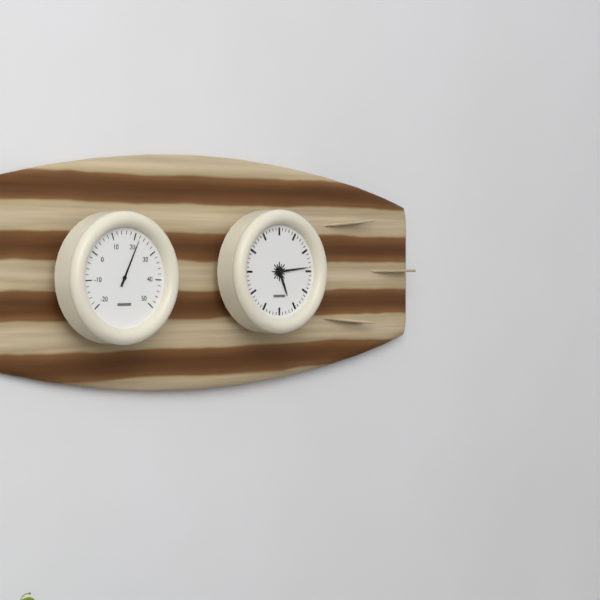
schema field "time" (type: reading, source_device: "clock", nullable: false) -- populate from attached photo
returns 5:14
